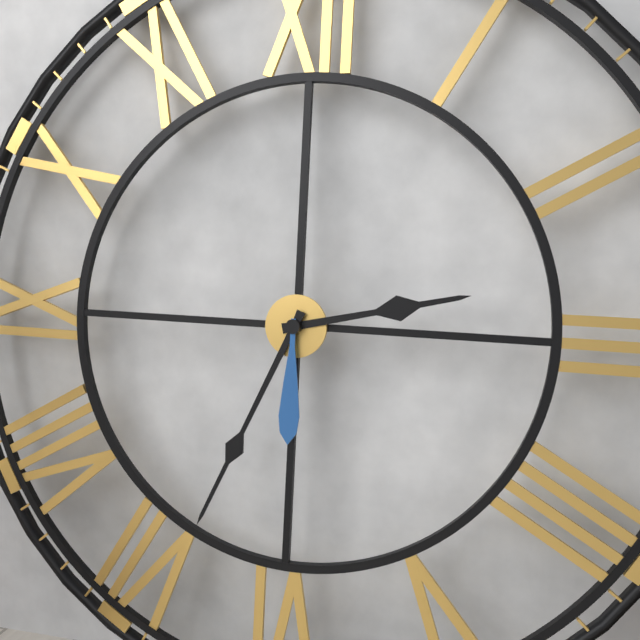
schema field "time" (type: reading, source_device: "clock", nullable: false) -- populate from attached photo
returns 2:34:30
